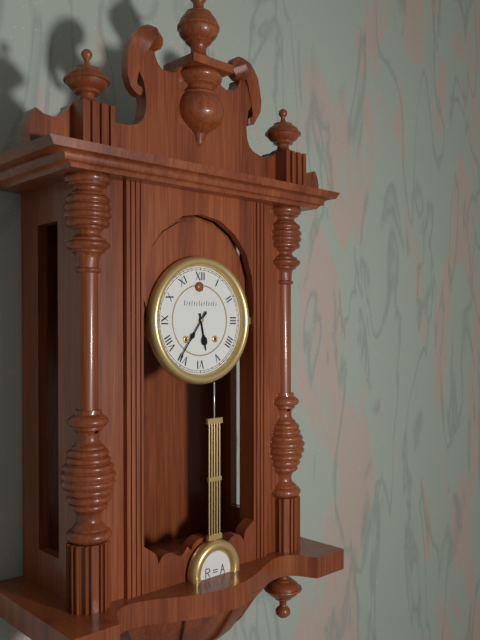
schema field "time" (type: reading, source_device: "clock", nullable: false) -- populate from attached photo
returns 5:36
